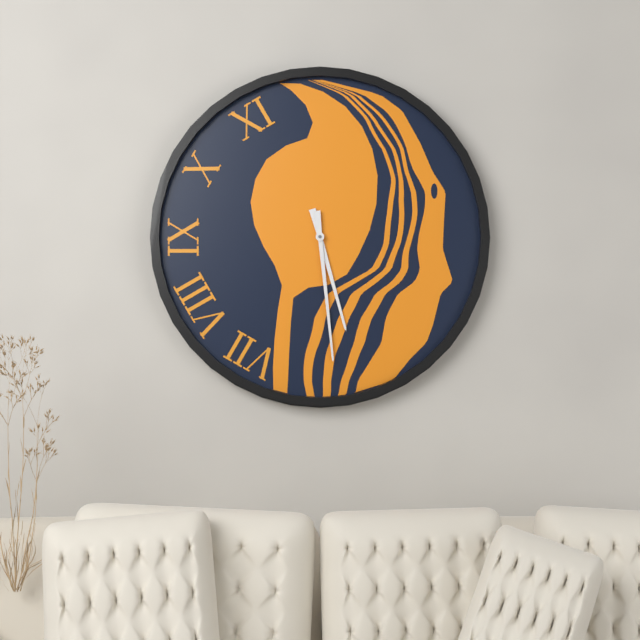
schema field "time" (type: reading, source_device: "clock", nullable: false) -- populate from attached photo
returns 5:29
